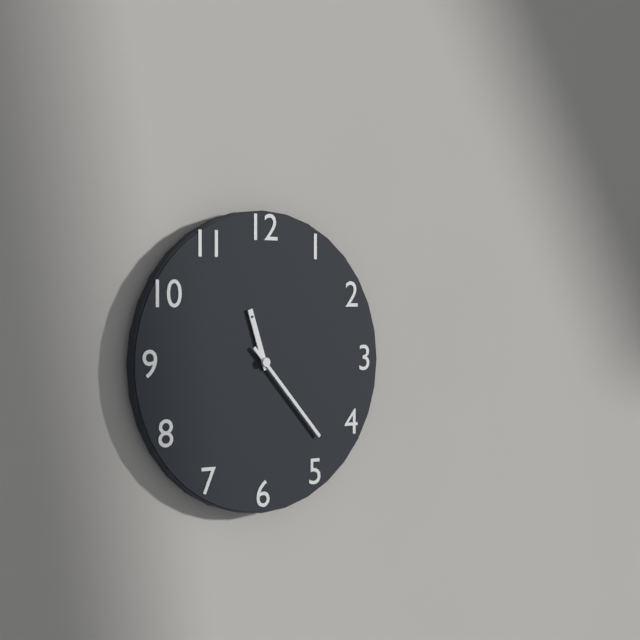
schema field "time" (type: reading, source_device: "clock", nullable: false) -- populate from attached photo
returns 11:23
